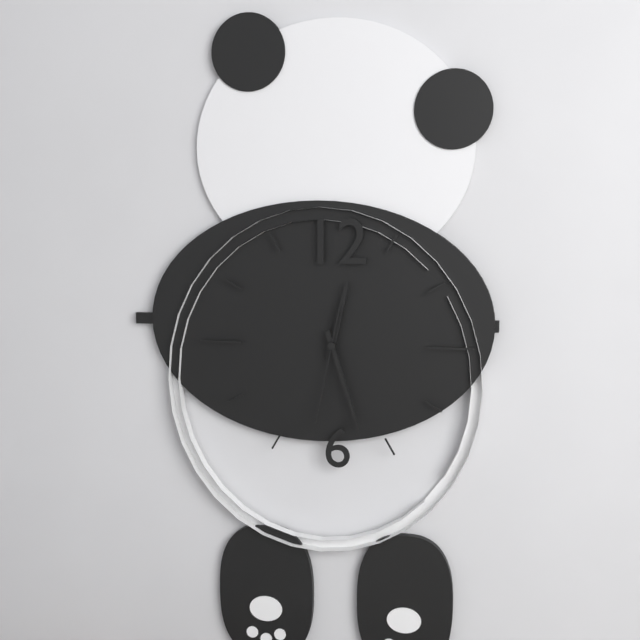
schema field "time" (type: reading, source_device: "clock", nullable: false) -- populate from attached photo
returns 12:27:32
